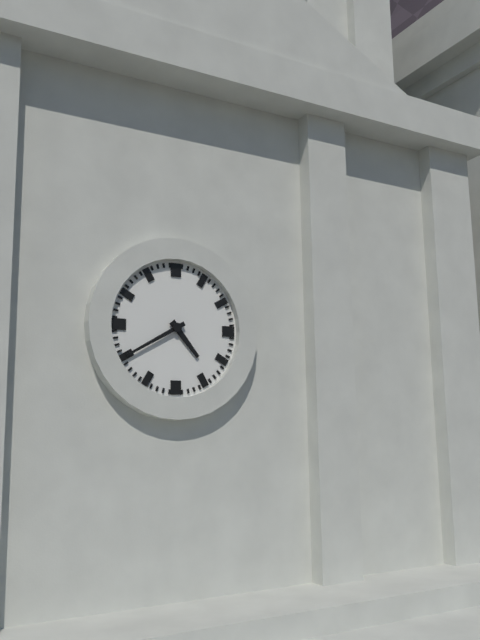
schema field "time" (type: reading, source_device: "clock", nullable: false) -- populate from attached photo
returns 4:40
